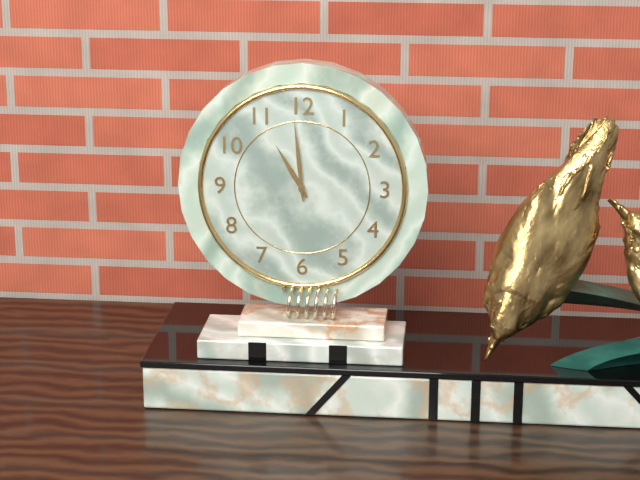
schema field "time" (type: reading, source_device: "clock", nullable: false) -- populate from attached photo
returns 10:59
